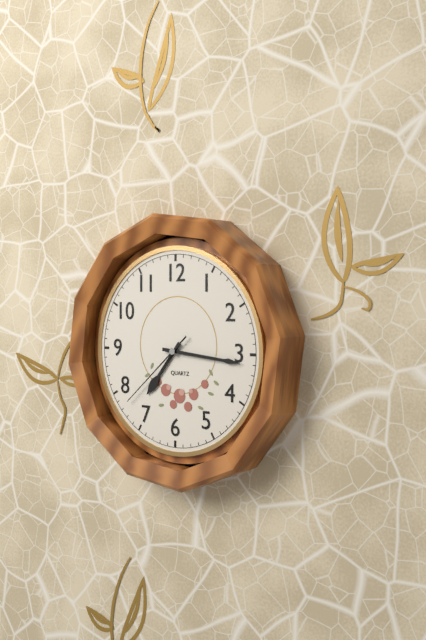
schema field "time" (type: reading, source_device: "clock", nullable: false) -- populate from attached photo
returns 7:16:38
